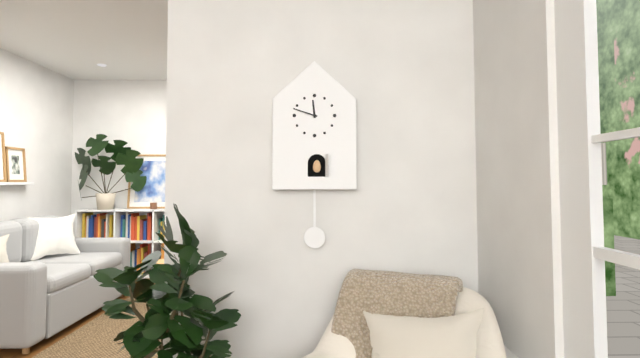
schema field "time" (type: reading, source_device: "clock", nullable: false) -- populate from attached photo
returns 11:48
